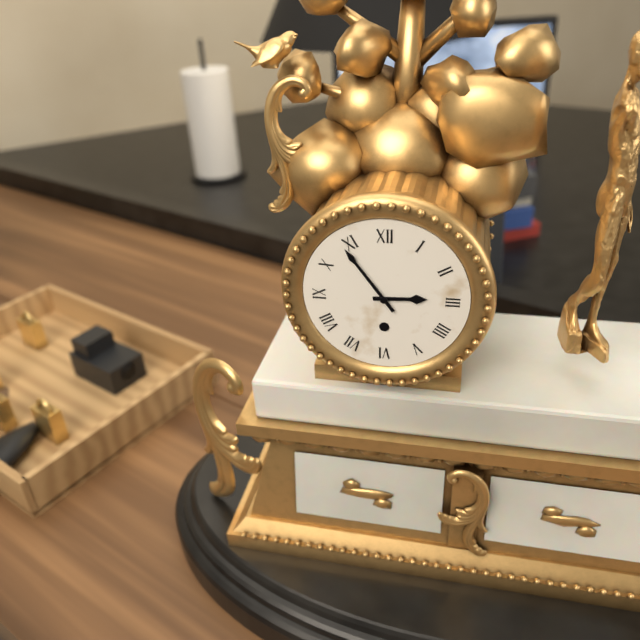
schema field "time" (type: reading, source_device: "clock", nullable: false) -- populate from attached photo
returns 2:54
